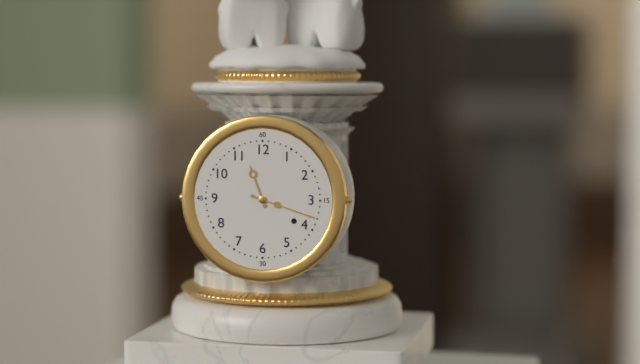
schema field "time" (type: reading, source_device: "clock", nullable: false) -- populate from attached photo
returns 11:18
